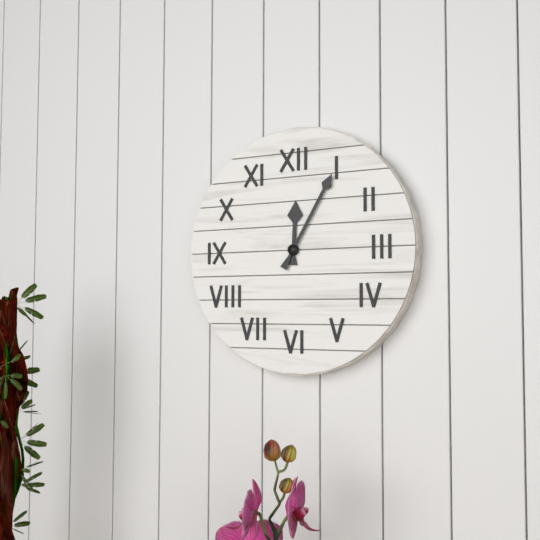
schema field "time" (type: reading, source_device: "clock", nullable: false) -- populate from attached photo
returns 12:05
